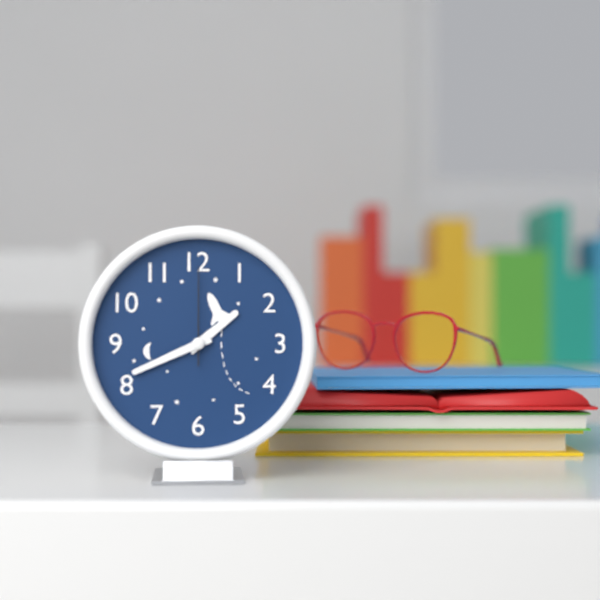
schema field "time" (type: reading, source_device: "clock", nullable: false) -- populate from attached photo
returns 1:41:00
